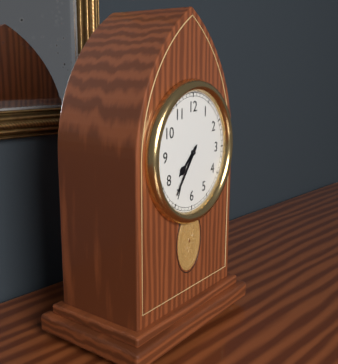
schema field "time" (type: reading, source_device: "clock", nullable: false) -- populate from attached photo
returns 7:36
